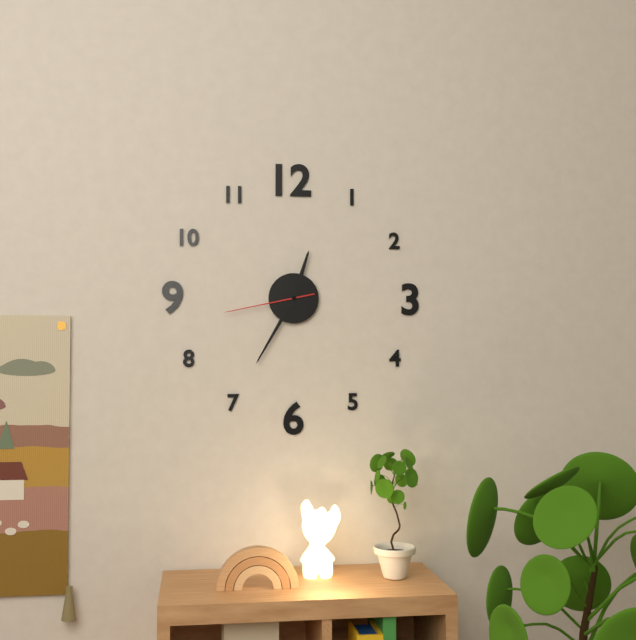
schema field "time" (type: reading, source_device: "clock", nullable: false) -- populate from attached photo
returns 12:35:43
